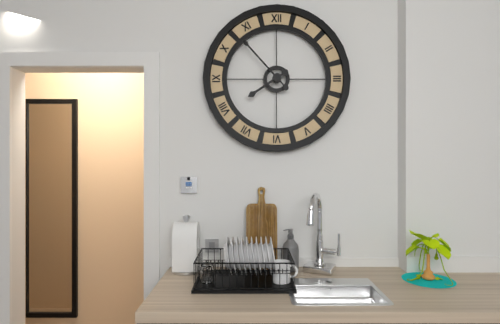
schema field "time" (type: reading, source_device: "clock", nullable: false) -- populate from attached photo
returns 7:53
